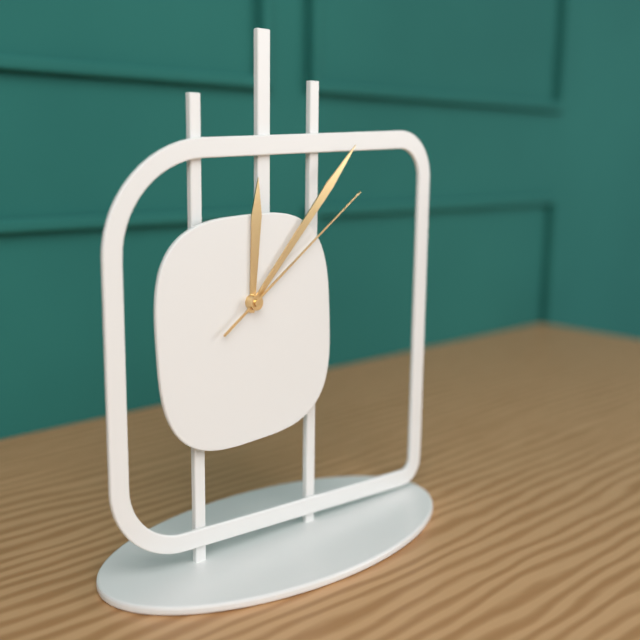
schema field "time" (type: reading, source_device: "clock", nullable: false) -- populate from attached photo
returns 12:07:09
